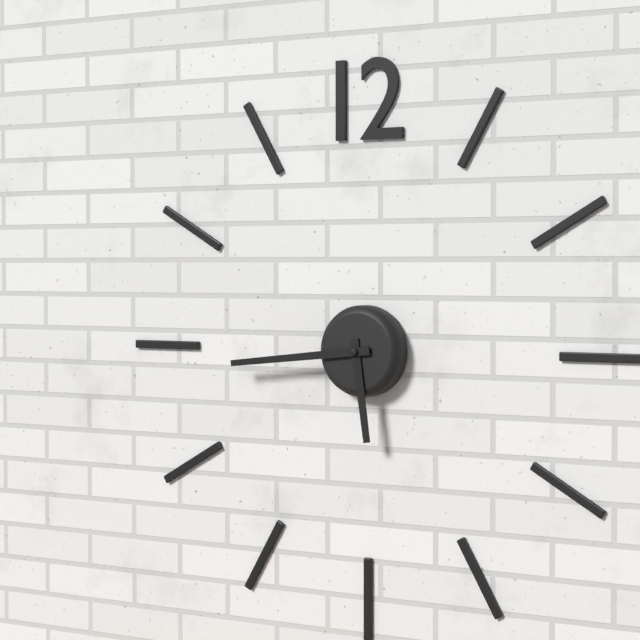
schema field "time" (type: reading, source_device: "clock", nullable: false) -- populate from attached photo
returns 5:44
